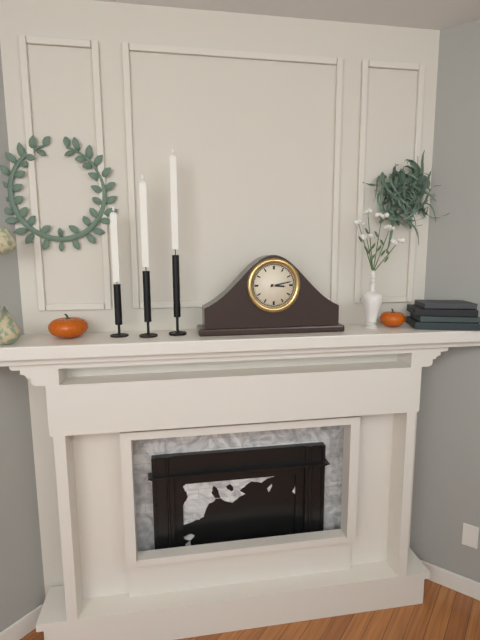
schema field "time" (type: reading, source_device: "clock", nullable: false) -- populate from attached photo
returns 3:13
